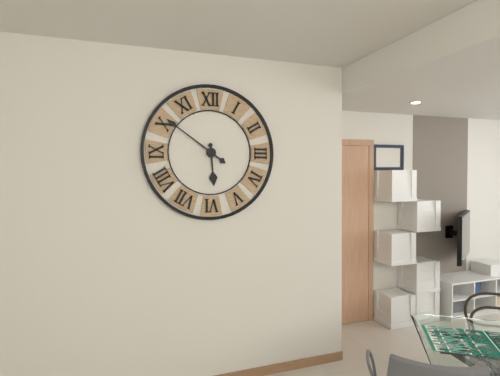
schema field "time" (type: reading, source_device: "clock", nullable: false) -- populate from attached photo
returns 5:51
